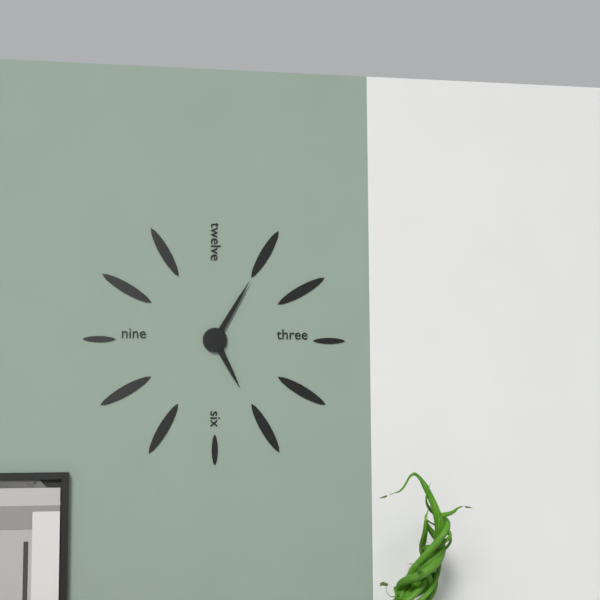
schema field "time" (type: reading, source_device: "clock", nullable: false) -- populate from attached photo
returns 5:05
